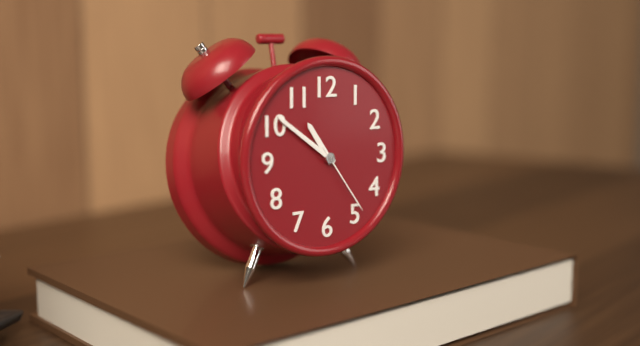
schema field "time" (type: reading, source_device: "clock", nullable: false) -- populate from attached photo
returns 10:51:24
